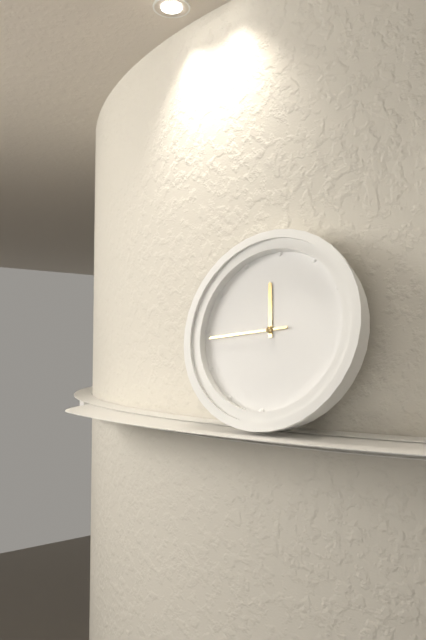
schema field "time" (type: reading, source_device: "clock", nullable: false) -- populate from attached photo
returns 11:44
